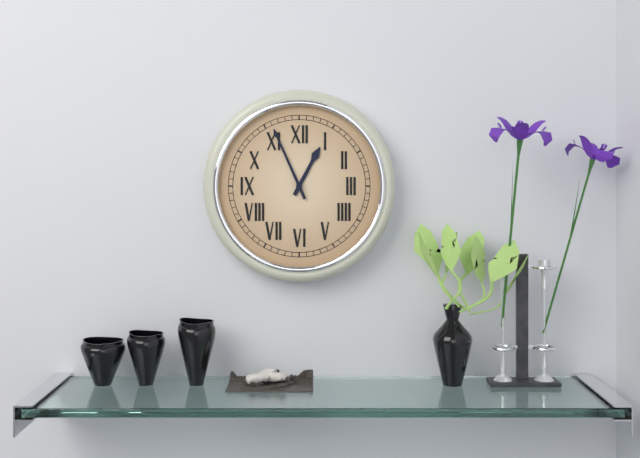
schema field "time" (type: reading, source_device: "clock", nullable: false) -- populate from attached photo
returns 12:56
